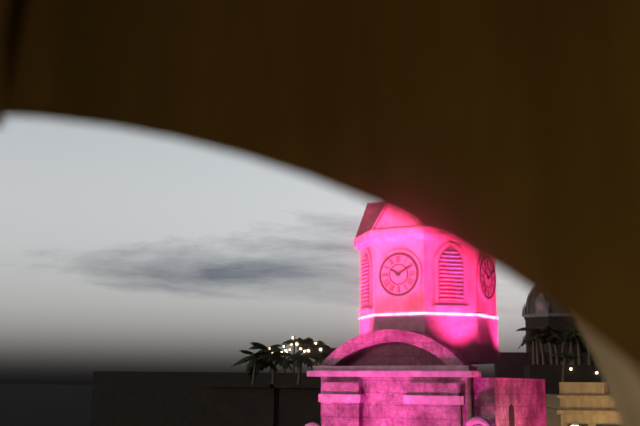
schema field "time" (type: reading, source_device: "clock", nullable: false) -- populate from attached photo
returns 10:10
